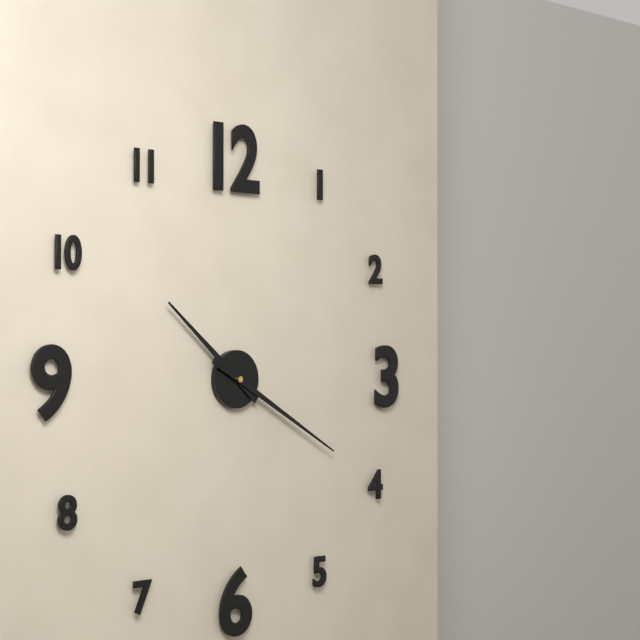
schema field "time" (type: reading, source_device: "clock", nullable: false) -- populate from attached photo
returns 10:20
